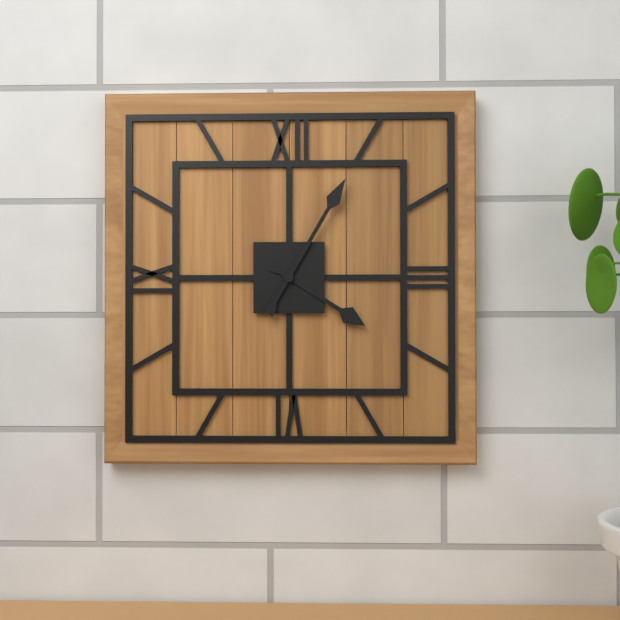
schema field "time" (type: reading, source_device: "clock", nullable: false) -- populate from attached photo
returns 4:05
